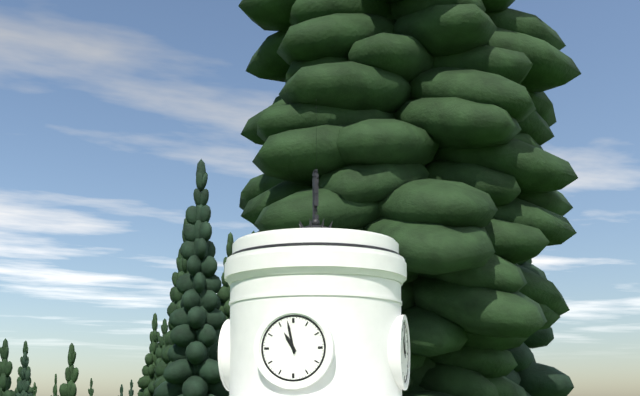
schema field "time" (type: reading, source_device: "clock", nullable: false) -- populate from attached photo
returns 10:58
